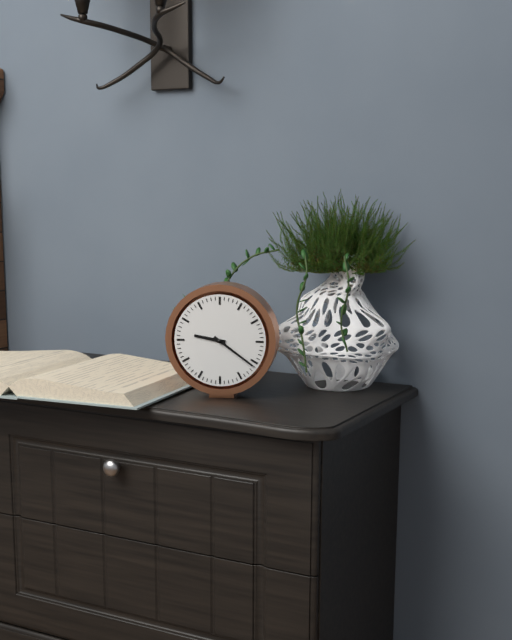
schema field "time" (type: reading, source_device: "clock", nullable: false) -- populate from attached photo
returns 9:21
